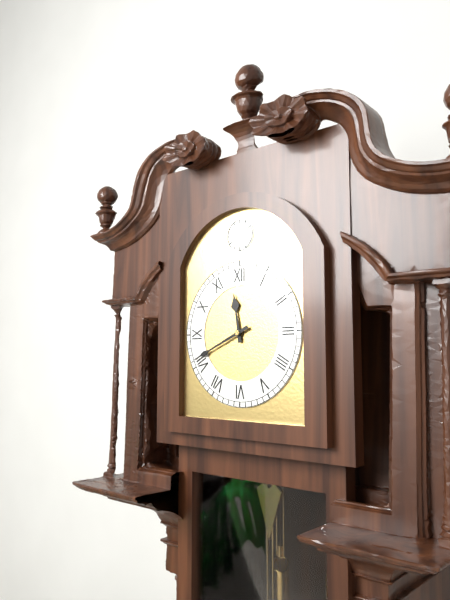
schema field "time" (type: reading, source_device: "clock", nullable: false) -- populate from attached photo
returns 11:41
